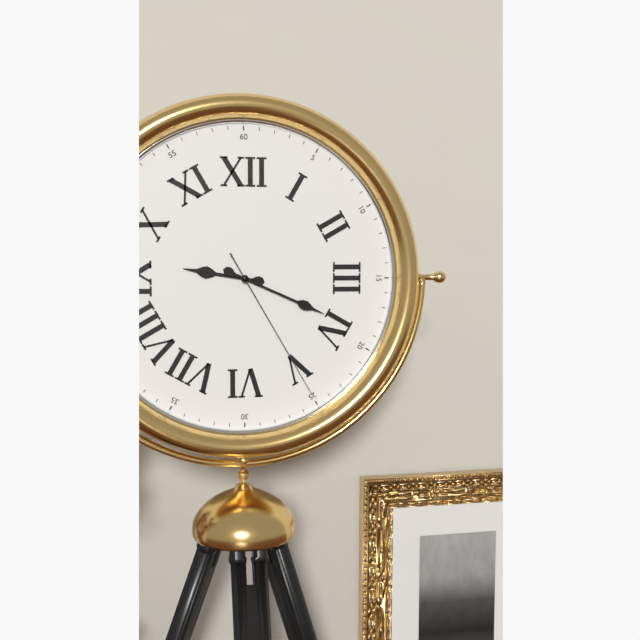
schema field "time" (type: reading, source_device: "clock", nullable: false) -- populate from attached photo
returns 9:19:25
